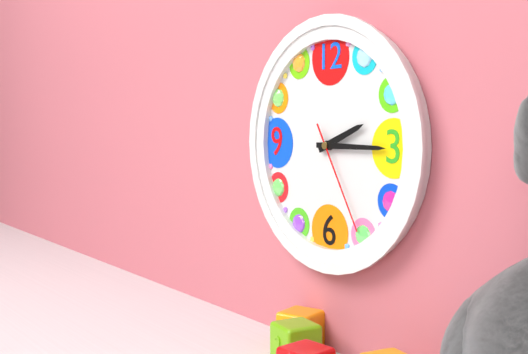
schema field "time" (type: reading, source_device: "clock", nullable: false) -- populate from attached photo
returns 2:15:25
